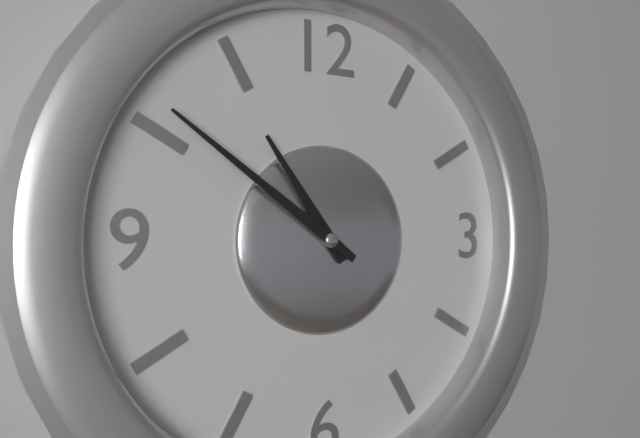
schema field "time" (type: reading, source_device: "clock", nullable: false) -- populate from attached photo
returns 10:51
